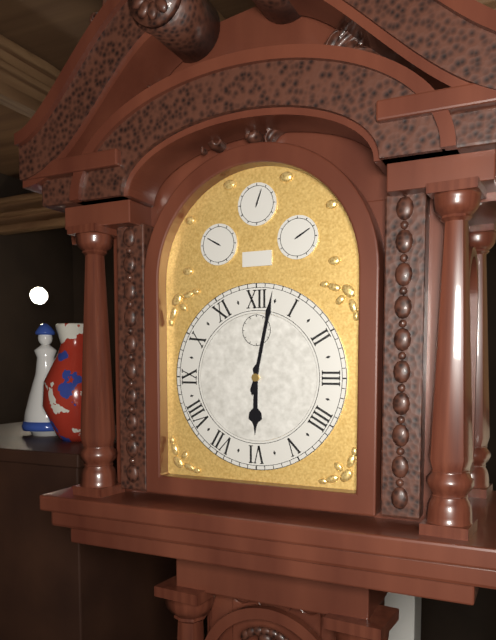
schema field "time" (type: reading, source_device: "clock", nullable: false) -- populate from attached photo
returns 6:02
